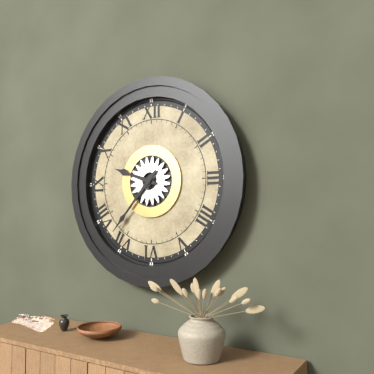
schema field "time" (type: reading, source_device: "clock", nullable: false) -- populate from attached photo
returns 9:37
